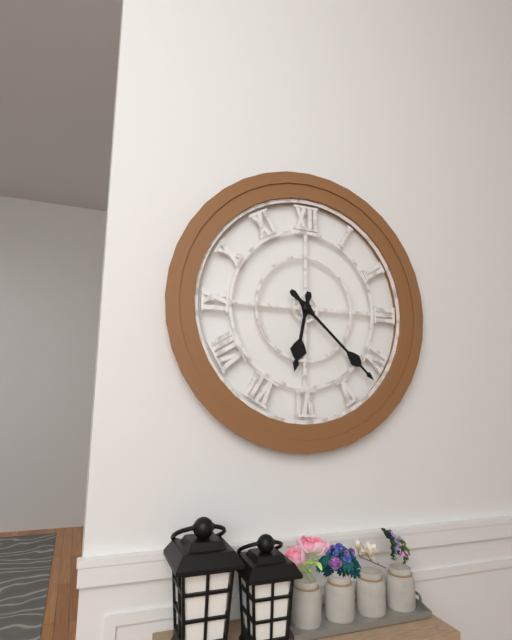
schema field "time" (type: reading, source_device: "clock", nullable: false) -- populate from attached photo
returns 6:22
